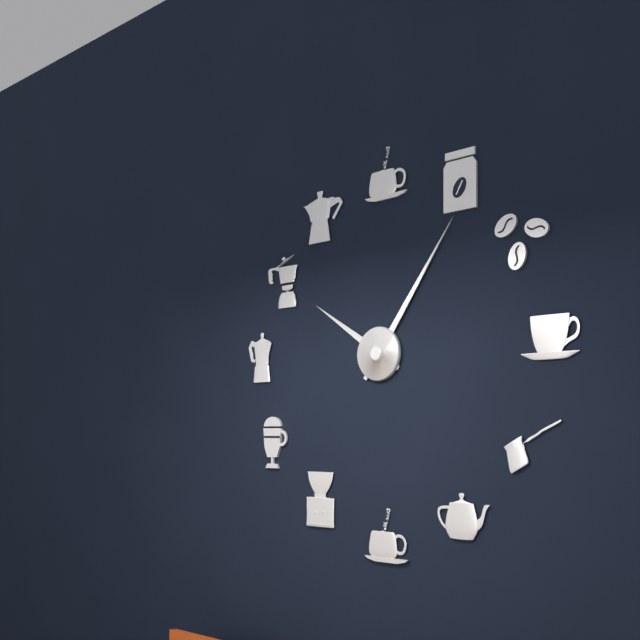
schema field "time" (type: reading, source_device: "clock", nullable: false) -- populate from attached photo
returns 10:06
